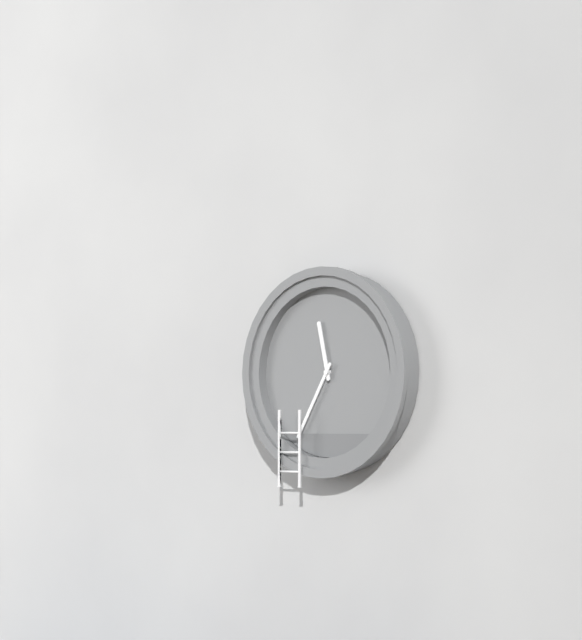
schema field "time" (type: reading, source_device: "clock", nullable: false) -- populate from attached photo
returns 11:35
